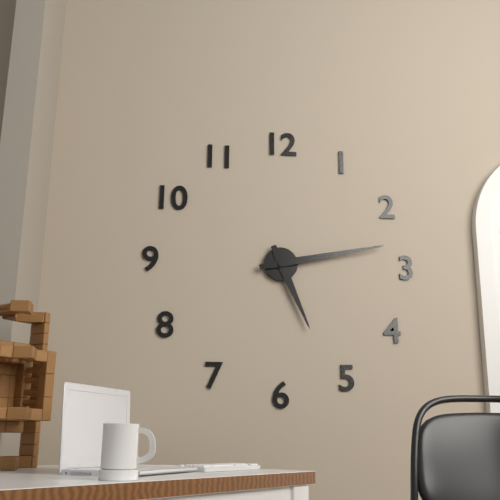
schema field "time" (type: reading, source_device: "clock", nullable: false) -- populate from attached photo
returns 5:13
